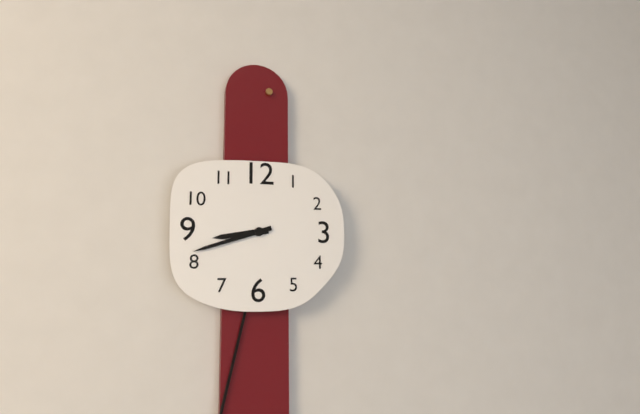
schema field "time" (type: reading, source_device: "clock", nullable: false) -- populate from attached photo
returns 8:42
